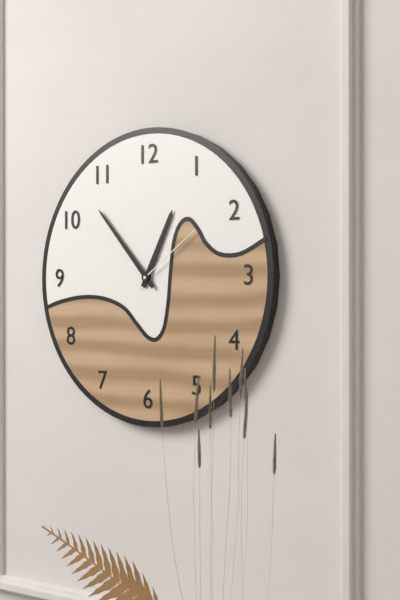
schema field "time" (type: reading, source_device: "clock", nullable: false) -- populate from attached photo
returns 12:53:09
